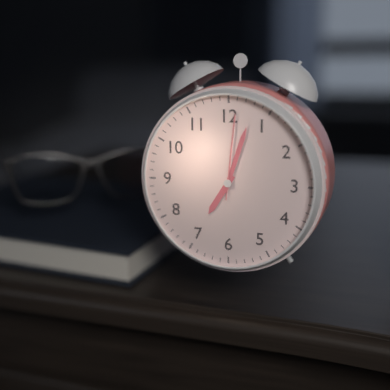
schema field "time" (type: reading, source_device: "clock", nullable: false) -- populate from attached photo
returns 7:03:01
